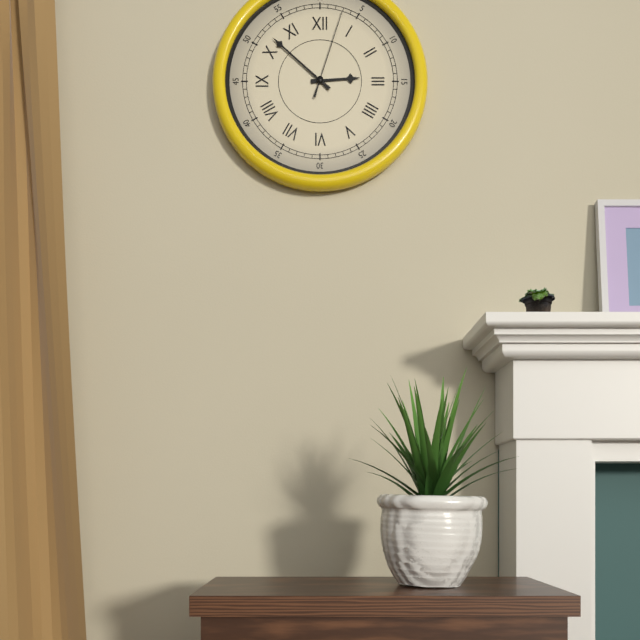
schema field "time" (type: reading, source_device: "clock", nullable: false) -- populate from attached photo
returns 2:52:03
